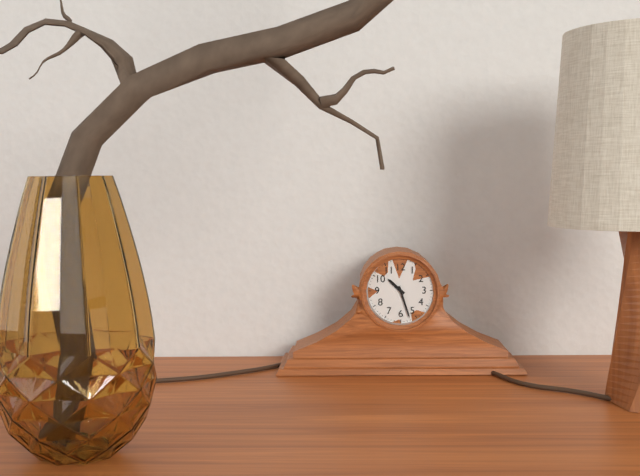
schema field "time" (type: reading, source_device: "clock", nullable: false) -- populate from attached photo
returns 10:27
